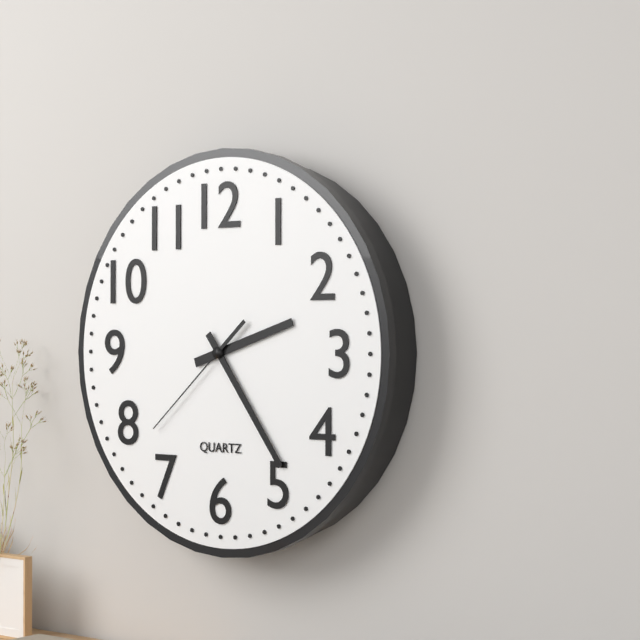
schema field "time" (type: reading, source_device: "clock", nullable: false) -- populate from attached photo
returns 2:24:38
